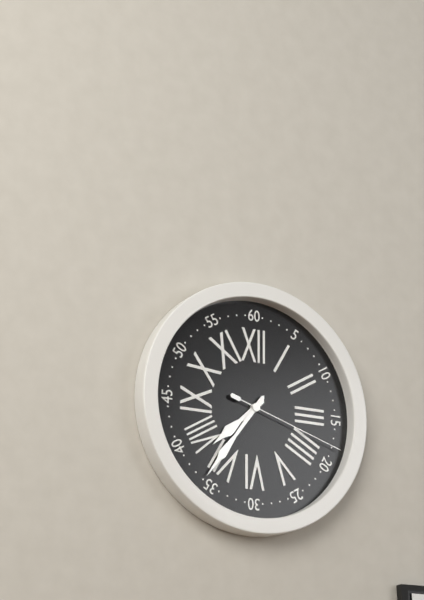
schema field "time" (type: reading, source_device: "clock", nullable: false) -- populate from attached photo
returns 7:36:18
